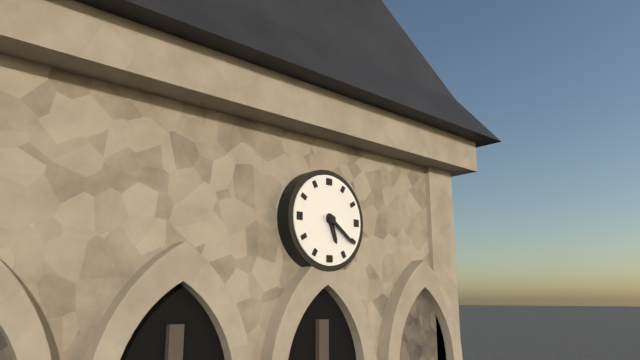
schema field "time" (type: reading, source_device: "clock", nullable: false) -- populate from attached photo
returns 5:21
